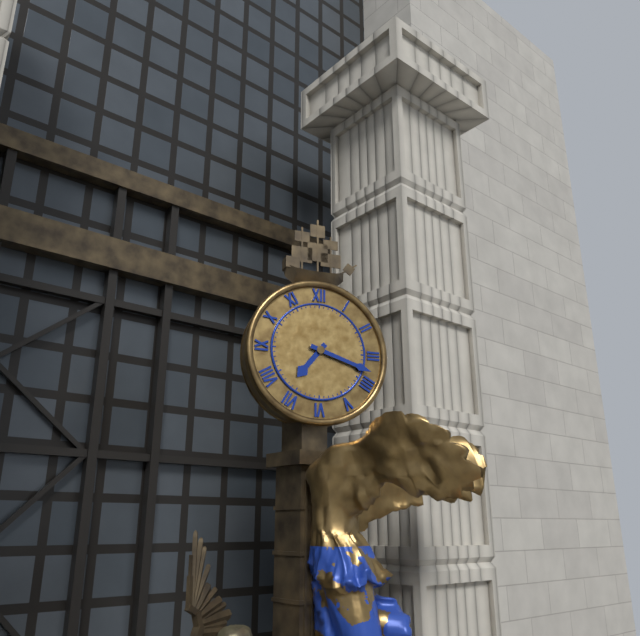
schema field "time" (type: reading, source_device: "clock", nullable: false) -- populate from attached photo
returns 7:18
